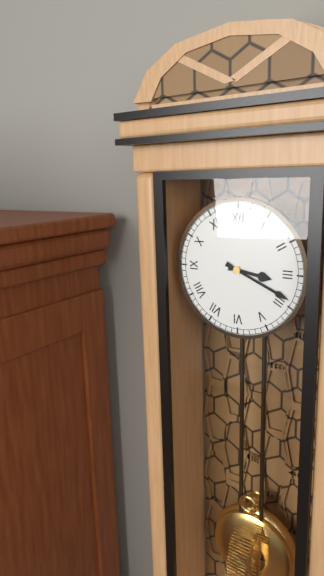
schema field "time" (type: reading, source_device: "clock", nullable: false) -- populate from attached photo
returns 3:19
